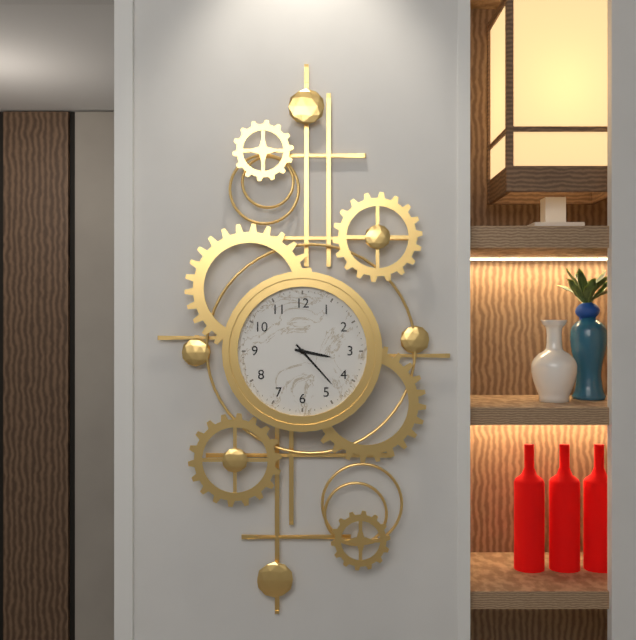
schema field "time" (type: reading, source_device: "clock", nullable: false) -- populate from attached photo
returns 3:23
